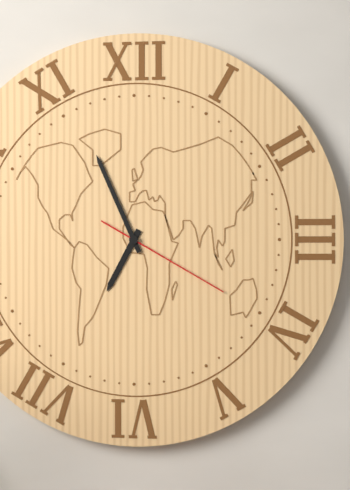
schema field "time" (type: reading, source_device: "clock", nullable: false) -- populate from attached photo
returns 6:56:20
